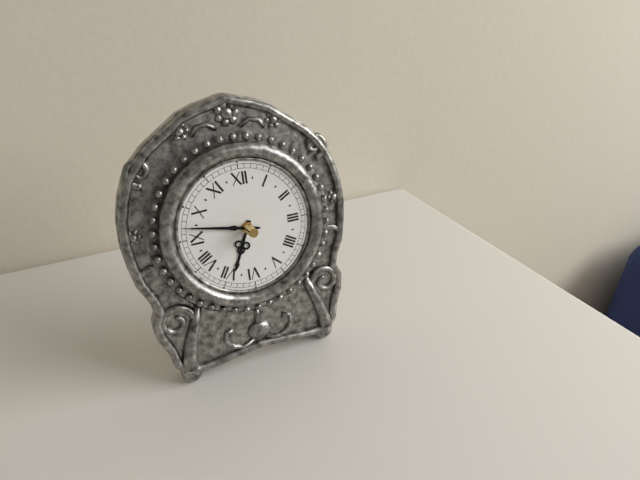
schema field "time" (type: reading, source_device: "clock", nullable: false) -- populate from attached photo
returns 6:47
